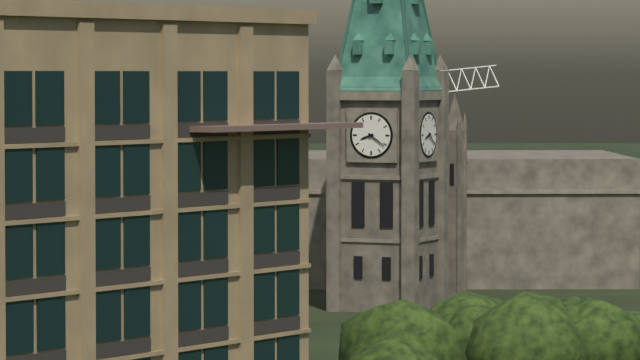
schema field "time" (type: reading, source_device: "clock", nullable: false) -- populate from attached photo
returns 8:21
